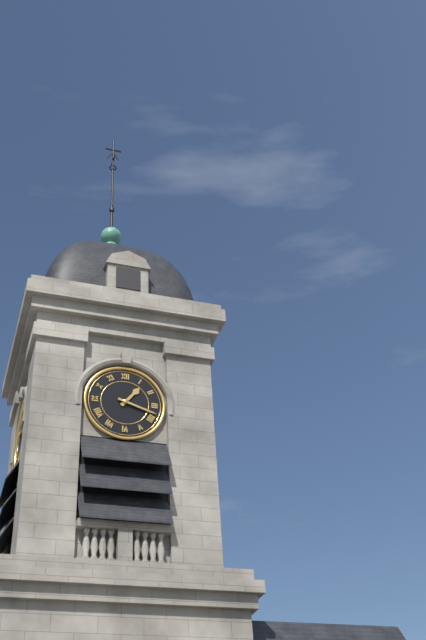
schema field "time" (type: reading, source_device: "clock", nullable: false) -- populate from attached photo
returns 1:18
